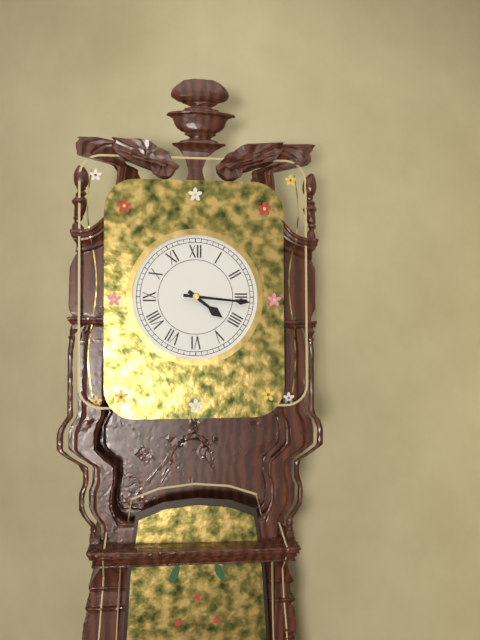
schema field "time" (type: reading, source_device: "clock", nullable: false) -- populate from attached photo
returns 4:16
